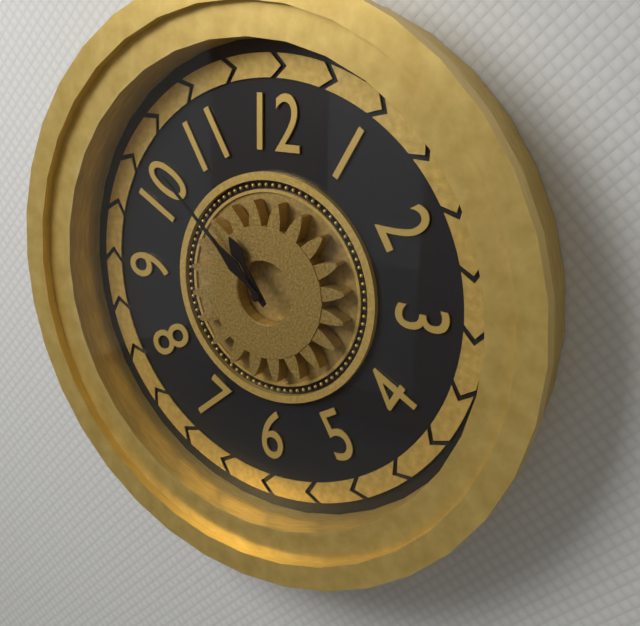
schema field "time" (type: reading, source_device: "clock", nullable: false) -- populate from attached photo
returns 10:52
